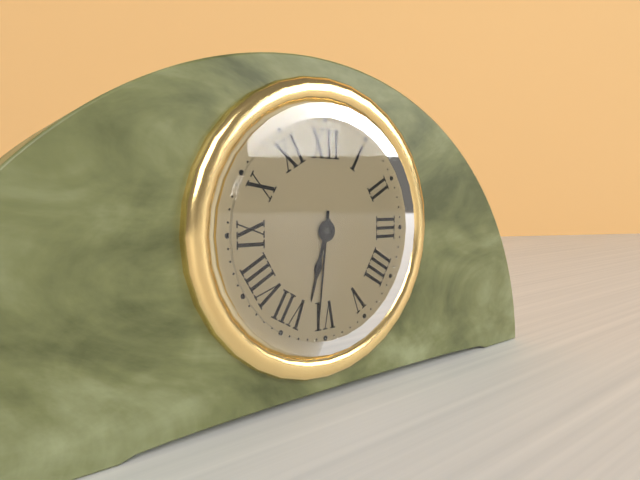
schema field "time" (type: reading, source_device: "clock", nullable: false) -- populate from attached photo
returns 6:31
